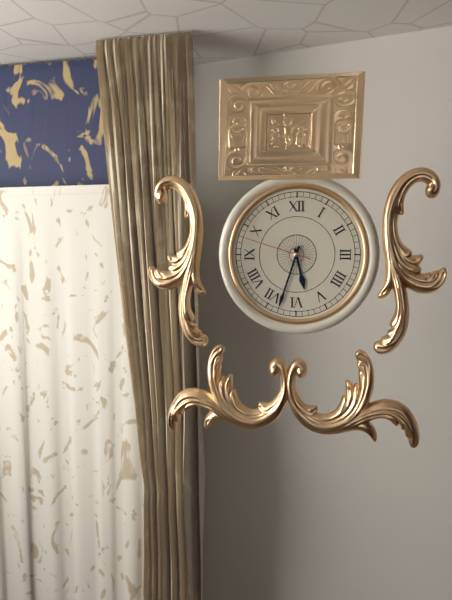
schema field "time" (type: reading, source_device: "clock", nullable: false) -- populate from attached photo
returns 5:33:48
